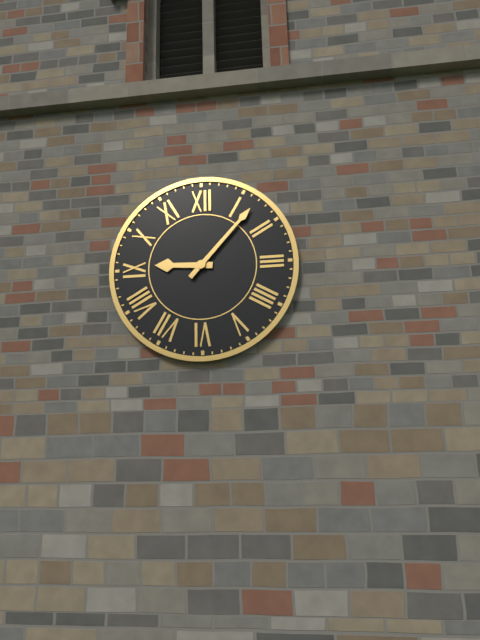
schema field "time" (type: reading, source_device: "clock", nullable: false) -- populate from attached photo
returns 9:07
